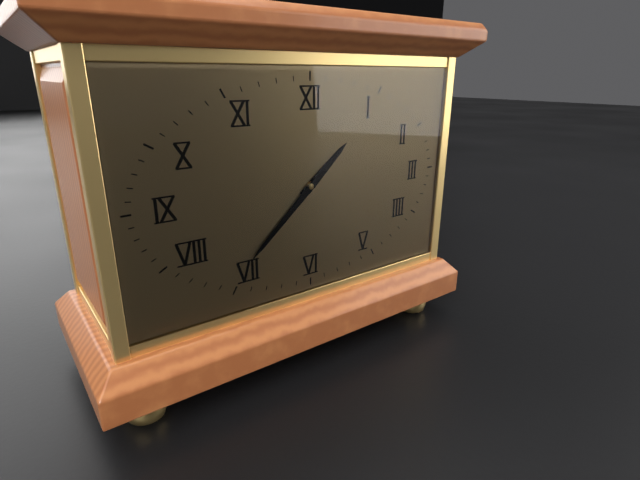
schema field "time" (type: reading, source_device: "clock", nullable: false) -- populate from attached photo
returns 1:38
